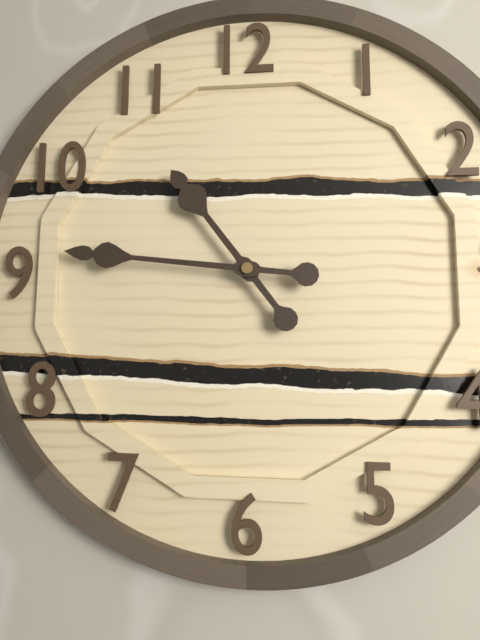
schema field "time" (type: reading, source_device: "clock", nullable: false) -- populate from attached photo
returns 10:46
